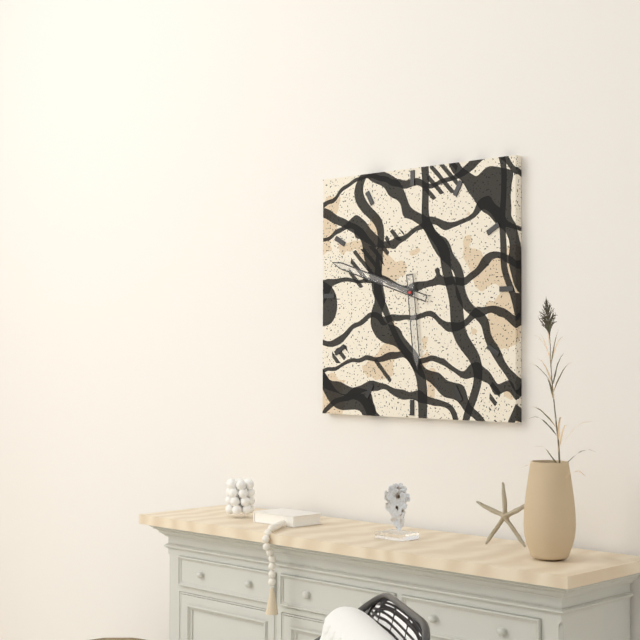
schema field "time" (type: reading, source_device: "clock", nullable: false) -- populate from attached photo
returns 5:48
